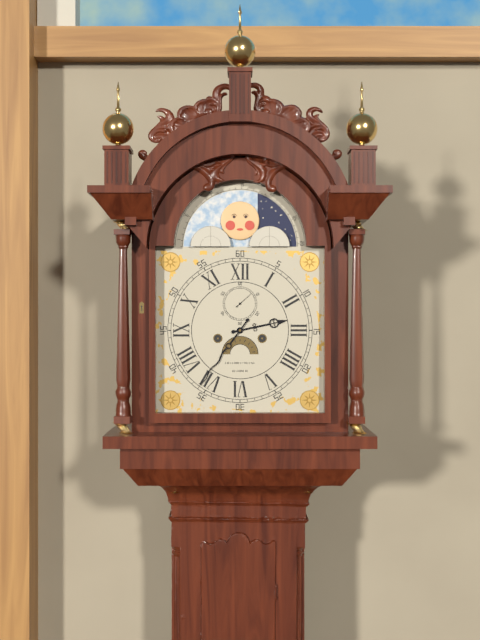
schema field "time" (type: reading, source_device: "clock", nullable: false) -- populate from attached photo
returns 2:36
